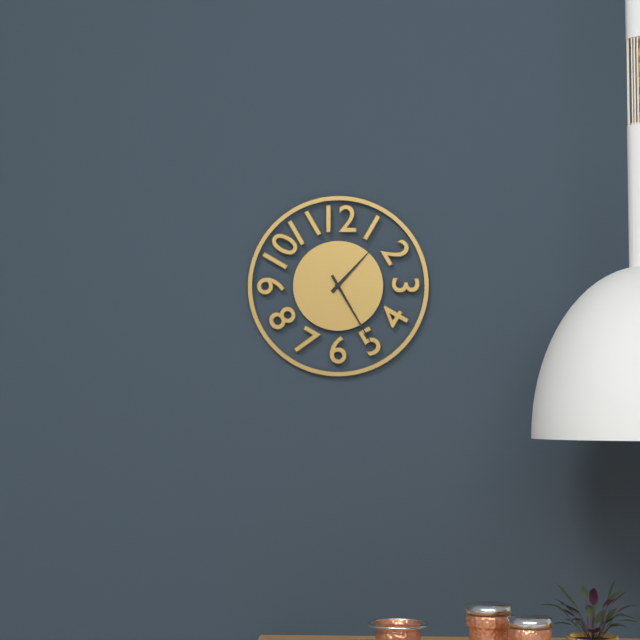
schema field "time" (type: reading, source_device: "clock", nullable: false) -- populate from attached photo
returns 1:25
